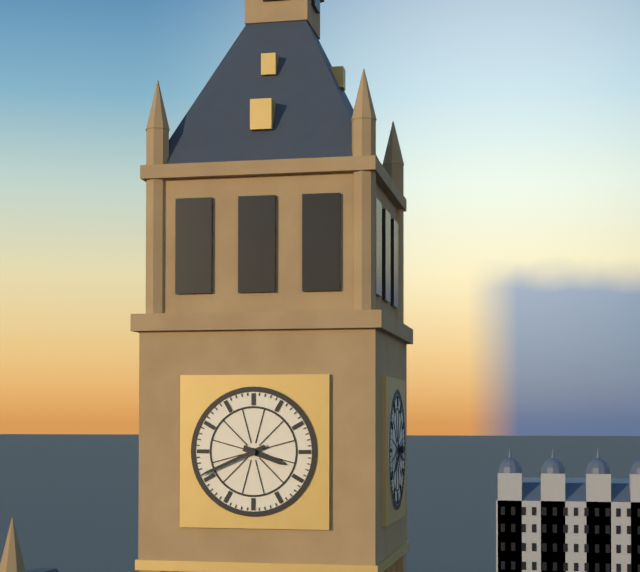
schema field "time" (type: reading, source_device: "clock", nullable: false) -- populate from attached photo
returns 3:41
